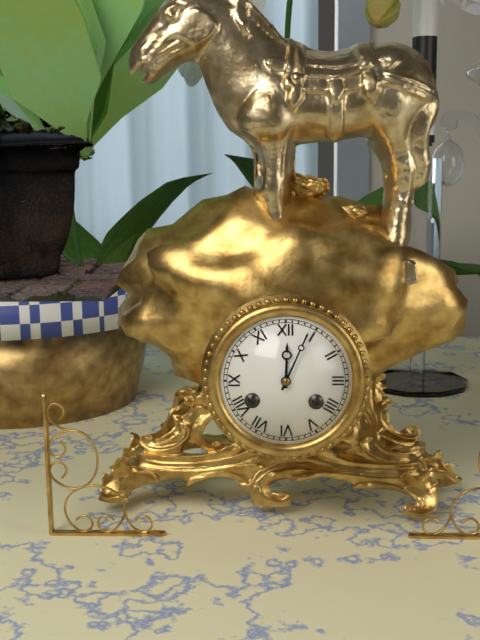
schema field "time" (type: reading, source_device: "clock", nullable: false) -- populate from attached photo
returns 12:04
